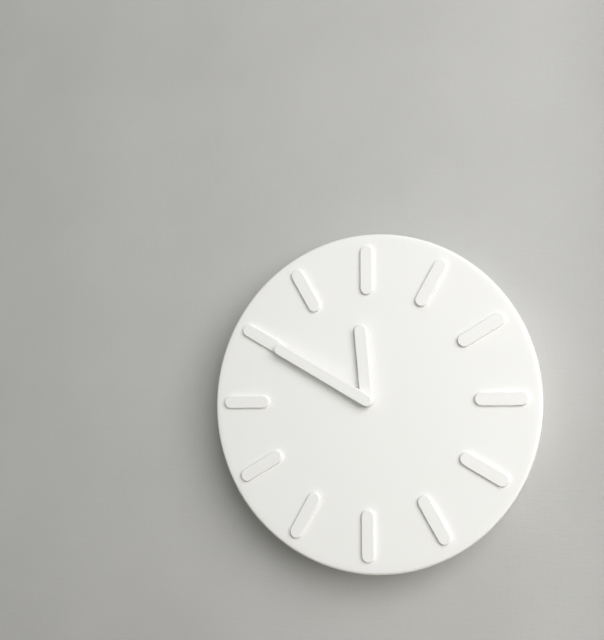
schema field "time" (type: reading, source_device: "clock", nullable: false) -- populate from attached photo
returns 11:50
